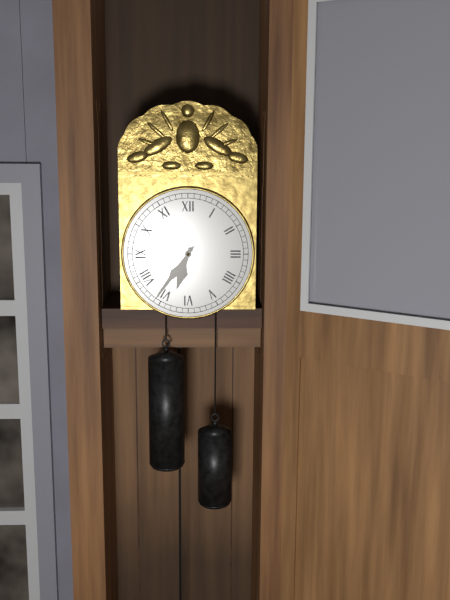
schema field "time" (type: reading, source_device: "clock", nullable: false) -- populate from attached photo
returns 6:36
